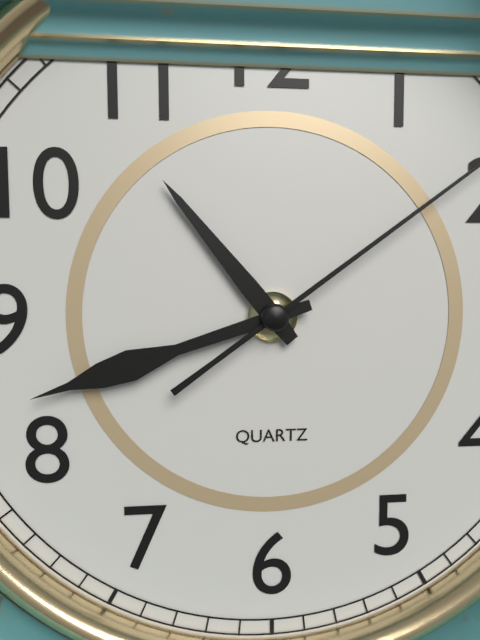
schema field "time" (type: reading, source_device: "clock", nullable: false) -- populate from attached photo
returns 10:42
